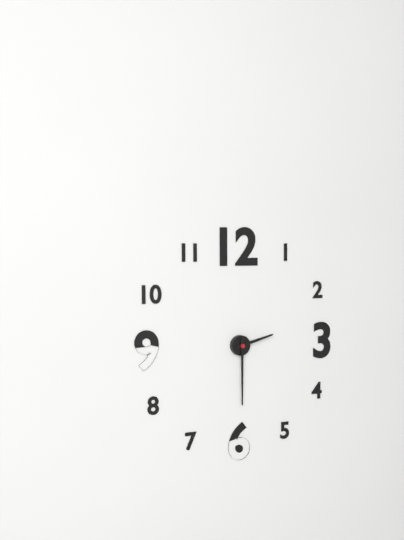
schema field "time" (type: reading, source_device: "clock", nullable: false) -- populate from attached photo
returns 2:30
